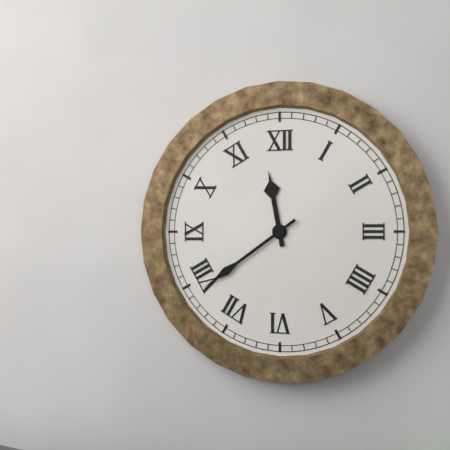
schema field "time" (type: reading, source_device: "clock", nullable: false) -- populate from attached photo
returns 11:39
